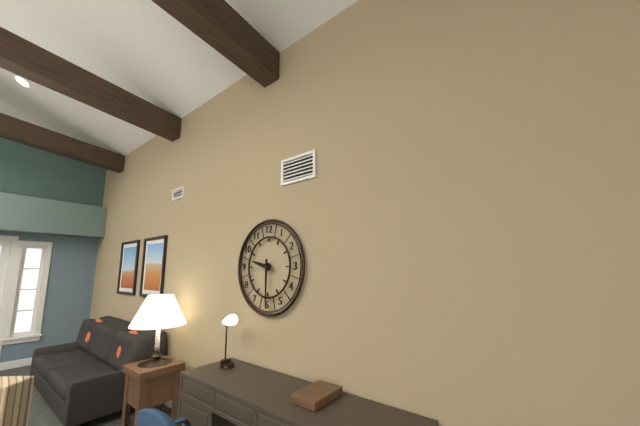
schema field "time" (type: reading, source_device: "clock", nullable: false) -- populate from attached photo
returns 9:30
